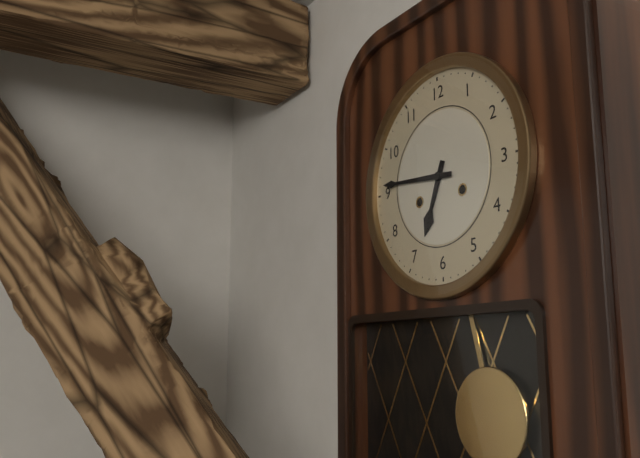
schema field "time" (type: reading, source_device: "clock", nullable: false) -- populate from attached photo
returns 6:46
